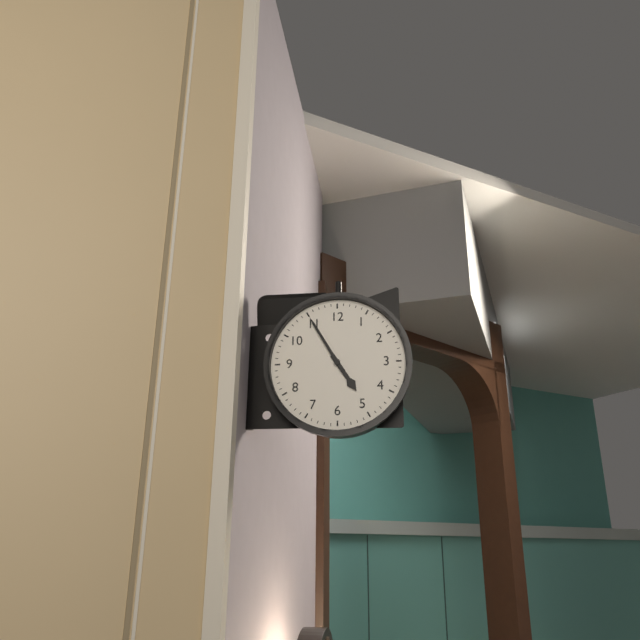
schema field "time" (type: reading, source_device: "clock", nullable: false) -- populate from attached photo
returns 4:55
